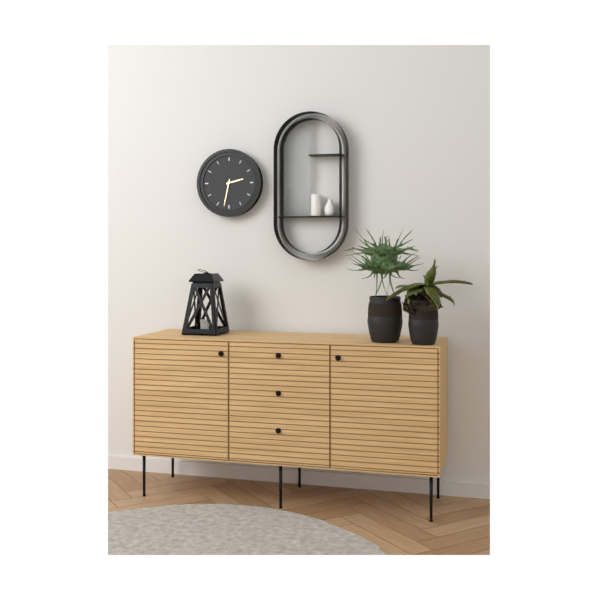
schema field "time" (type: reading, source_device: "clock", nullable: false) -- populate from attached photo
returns 2:32
